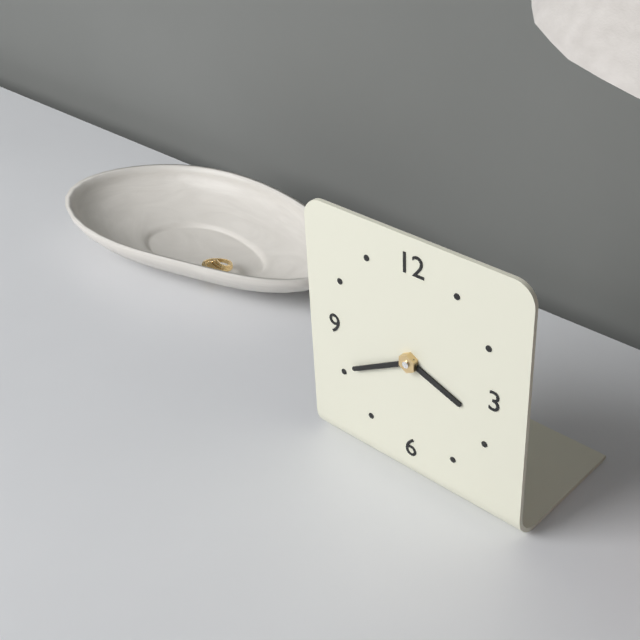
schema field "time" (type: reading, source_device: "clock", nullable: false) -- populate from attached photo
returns 3:40
